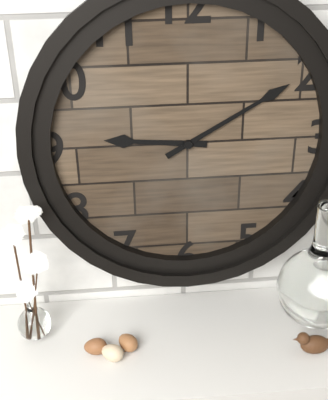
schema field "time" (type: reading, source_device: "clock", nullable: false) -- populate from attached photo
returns 9:10
